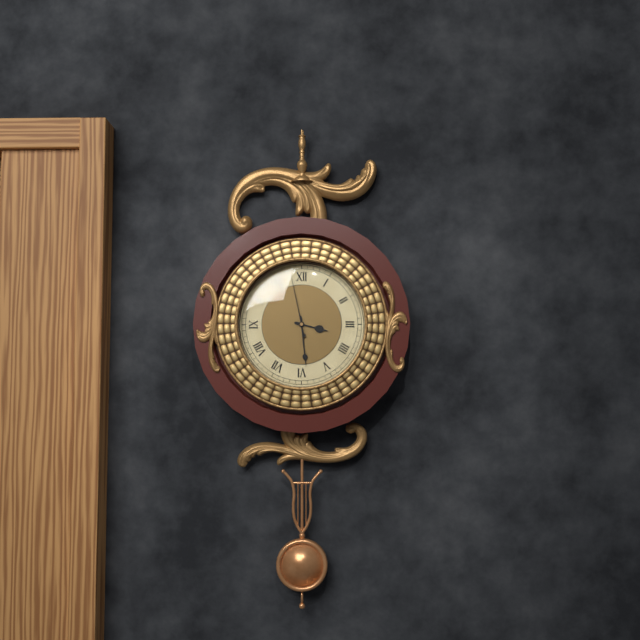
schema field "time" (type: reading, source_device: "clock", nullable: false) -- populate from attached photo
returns 3:29:58
